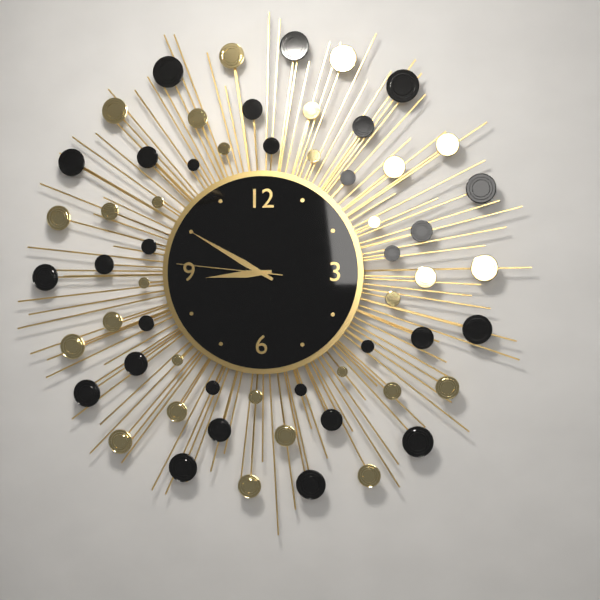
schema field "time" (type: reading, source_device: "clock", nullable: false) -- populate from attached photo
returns 8:50:46
